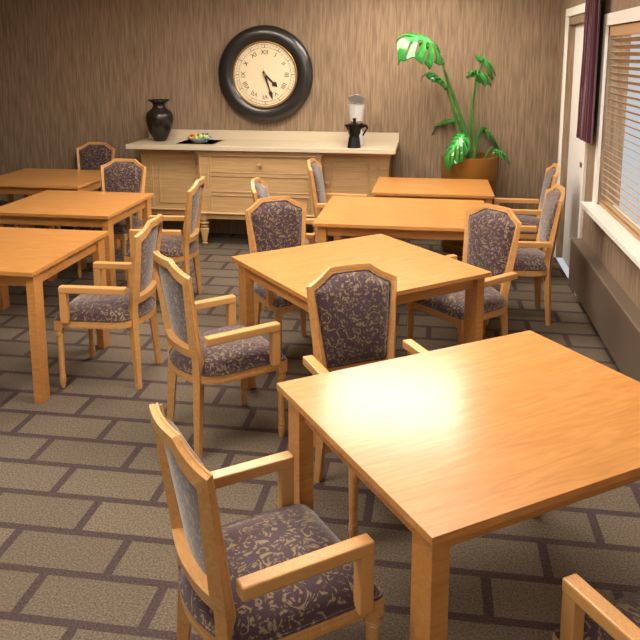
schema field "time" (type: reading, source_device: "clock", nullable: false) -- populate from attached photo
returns 4:27
